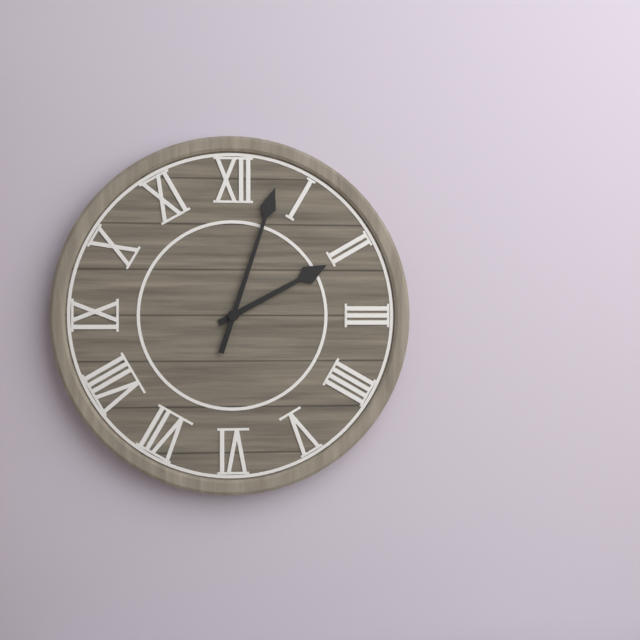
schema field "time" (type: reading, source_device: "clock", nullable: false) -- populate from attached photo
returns 2:03
